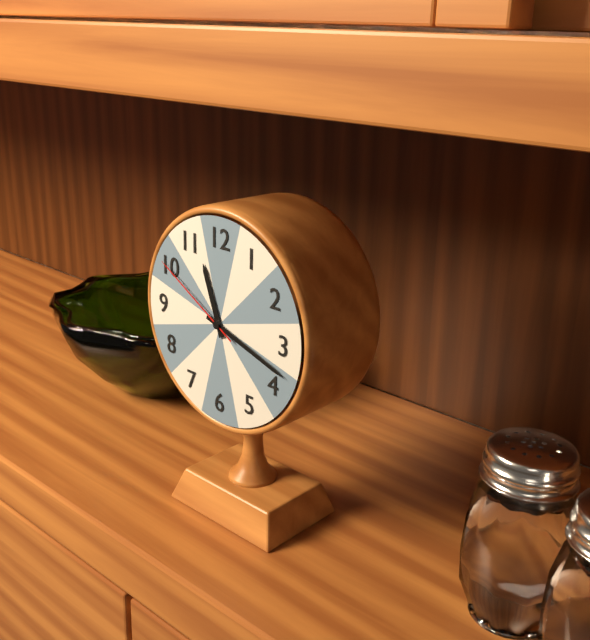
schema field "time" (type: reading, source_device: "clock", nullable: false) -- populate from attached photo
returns 11:18:50
